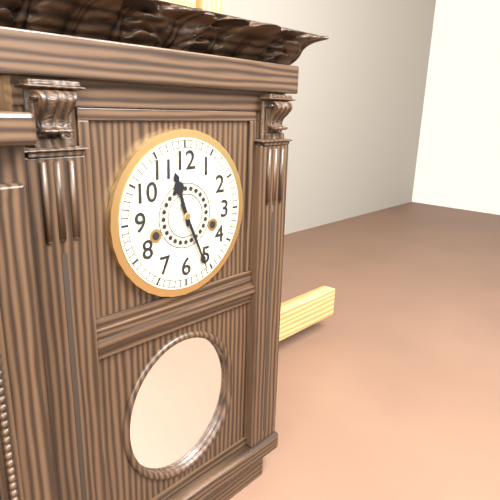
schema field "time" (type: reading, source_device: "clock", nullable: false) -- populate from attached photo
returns 11:26
